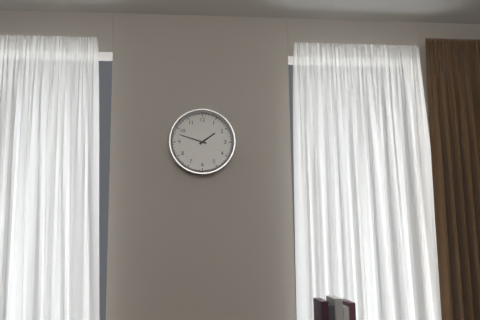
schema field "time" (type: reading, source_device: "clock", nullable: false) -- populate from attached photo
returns 1:48
